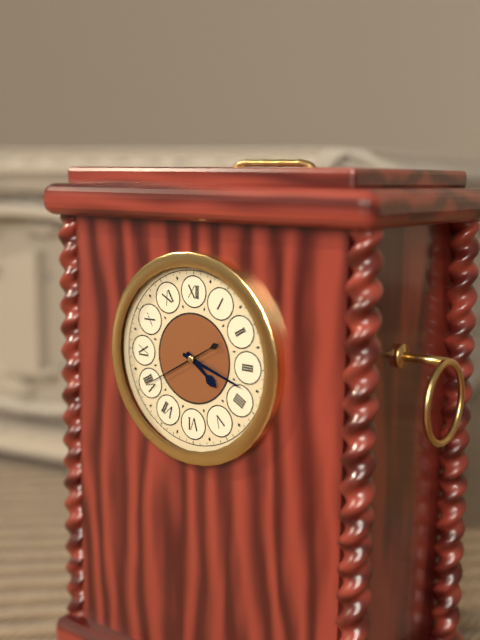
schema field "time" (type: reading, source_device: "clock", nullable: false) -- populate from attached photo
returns 4:18:40
